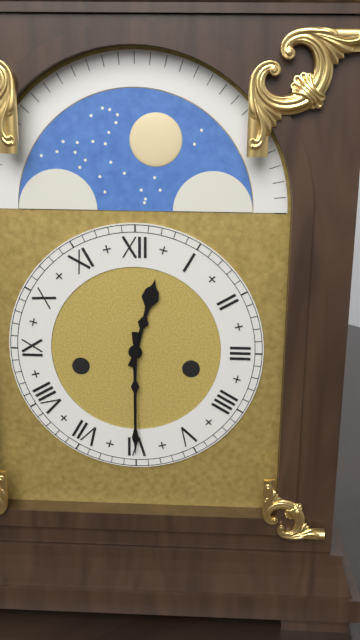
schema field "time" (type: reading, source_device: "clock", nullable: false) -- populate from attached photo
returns 12:30
